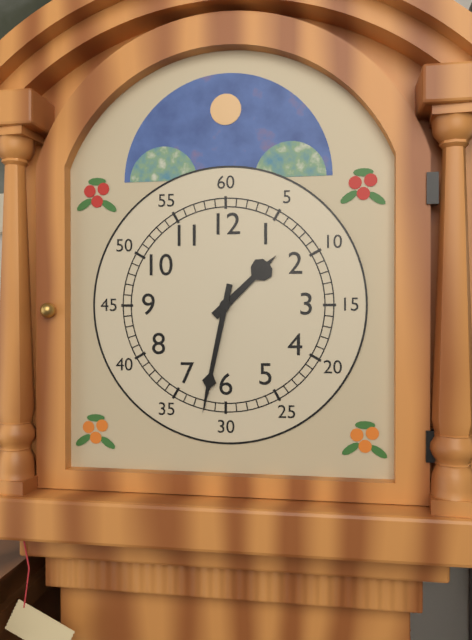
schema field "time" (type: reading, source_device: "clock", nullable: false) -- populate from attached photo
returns 1:32
